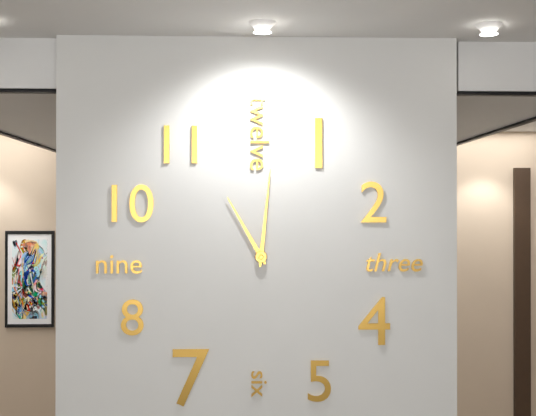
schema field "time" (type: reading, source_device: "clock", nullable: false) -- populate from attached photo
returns 11:01
